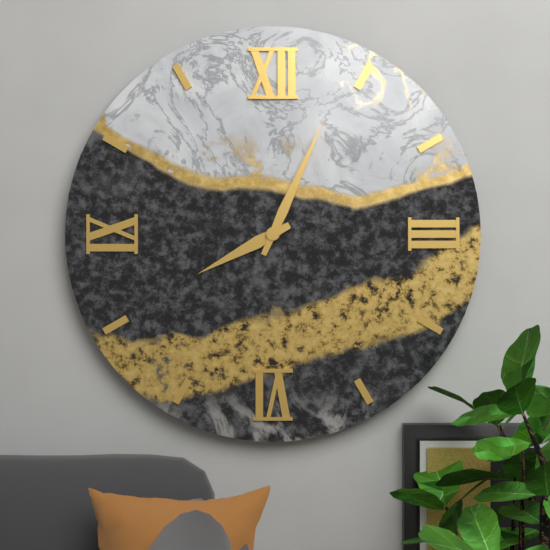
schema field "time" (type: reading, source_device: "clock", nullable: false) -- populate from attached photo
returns 8:04
